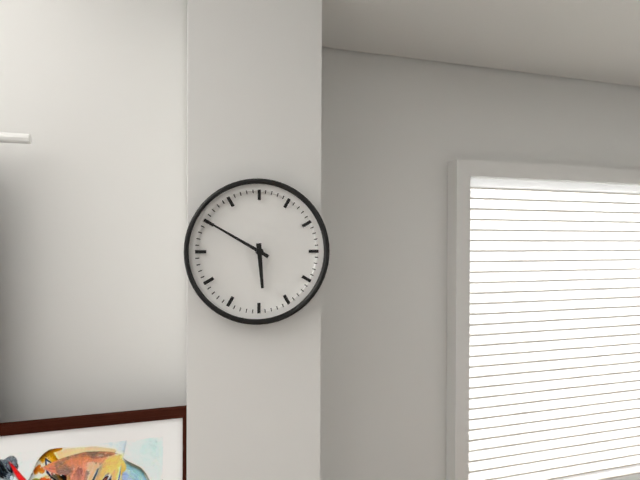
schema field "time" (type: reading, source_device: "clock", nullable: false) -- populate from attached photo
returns 5:50
